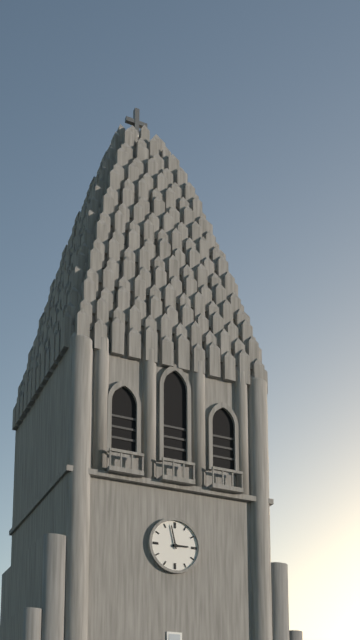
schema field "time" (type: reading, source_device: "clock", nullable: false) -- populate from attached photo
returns 2:58
